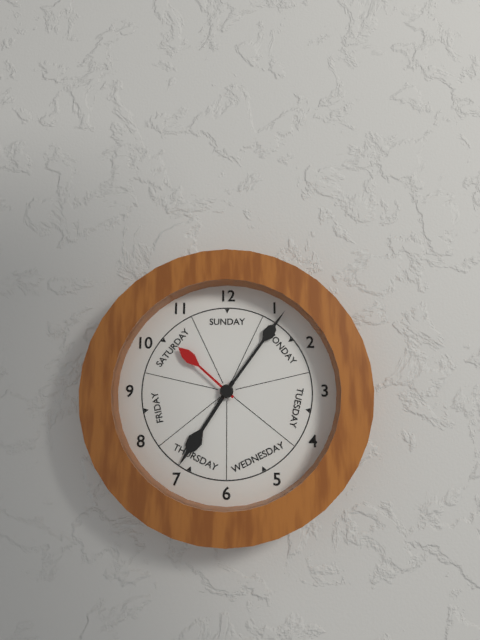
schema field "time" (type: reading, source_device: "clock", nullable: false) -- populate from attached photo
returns 7:06:52
